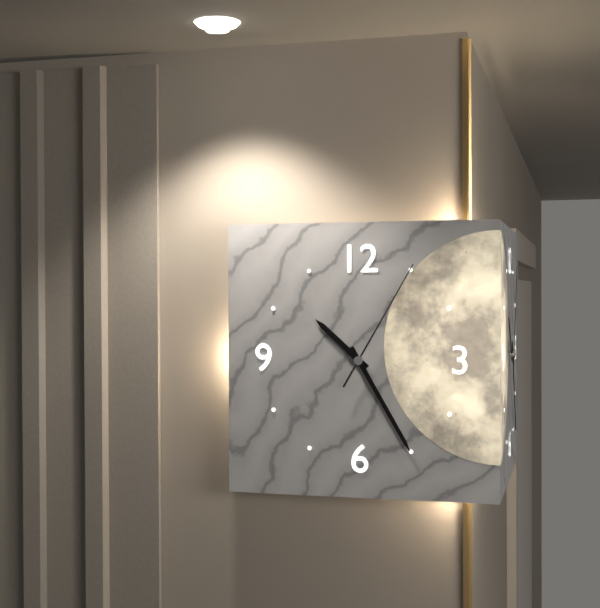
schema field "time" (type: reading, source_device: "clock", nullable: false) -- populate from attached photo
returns 10:25:05
